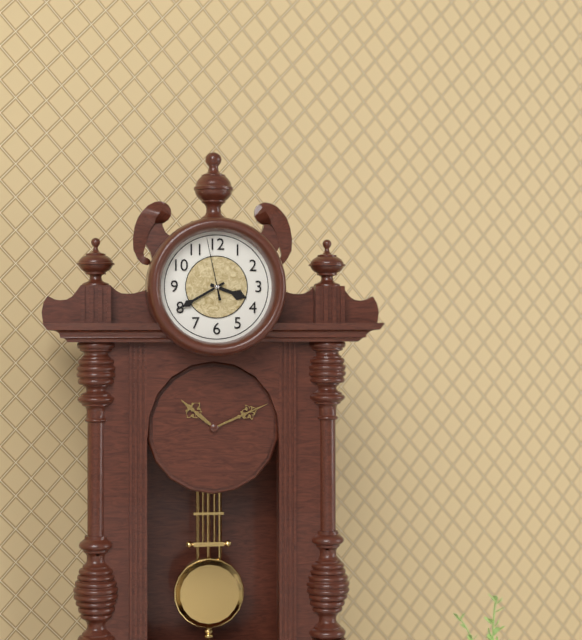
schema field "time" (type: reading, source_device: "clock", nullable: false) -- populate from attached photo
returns 3:40:58
